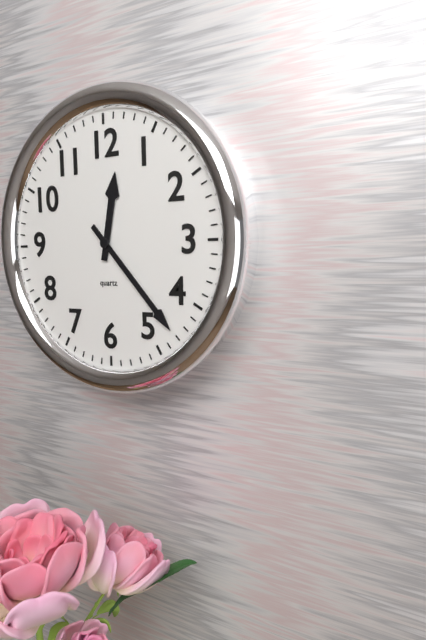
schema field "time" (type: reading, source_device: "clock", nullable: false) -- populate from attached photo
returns 12:23
